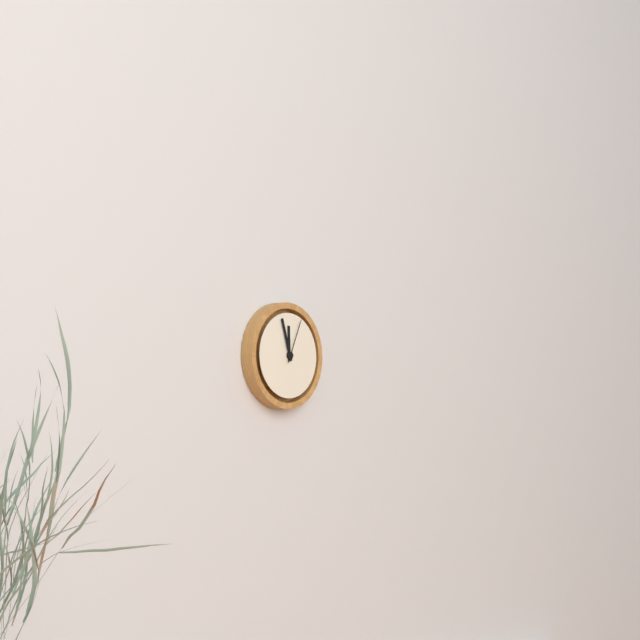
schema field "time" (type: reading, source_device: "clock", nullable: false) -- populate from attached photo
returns 11:57
